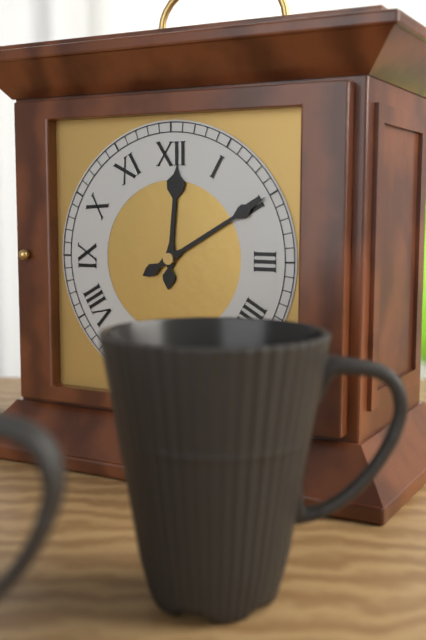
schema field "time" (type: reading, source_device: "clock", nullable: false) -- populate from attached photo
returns 12:10
